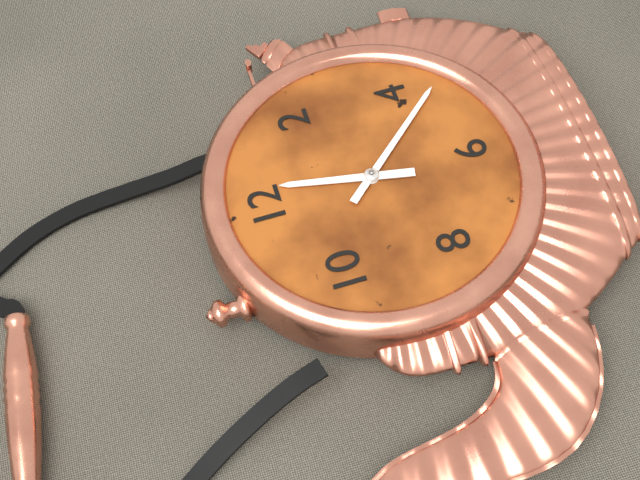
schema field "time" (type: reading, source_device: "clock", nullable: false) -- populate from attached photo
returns 12:23
